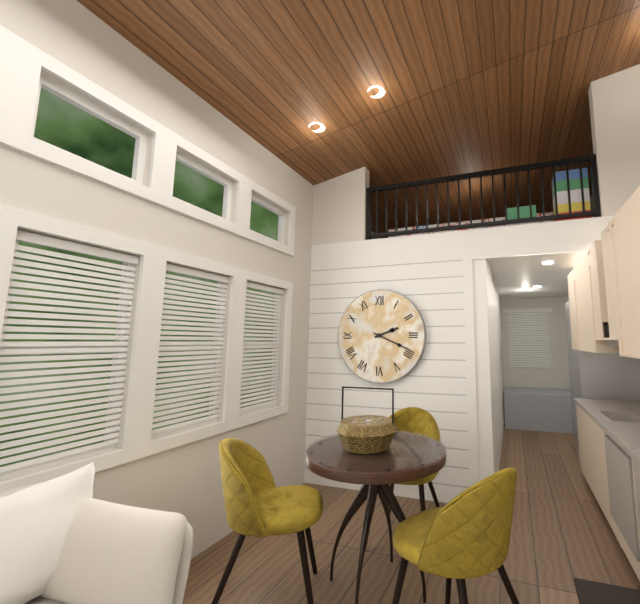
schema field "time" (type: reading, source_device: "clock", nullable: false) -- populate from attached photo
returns 2:19
